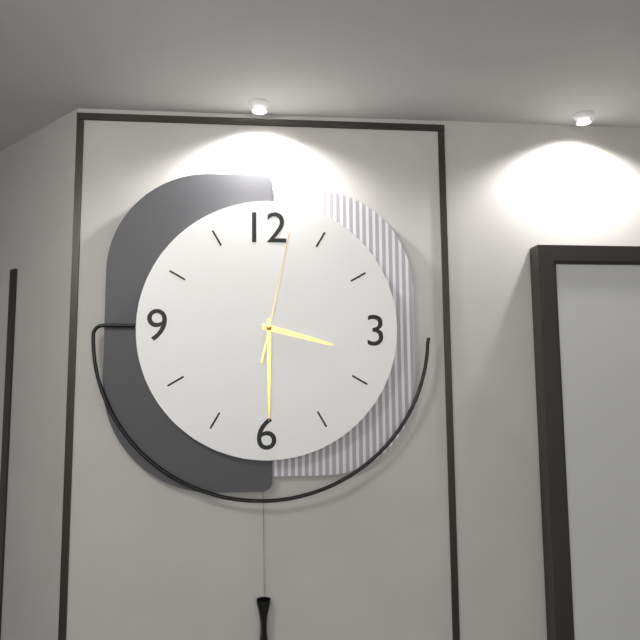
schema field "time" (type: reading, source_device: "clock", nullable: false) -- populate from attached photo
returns 3:30:02
